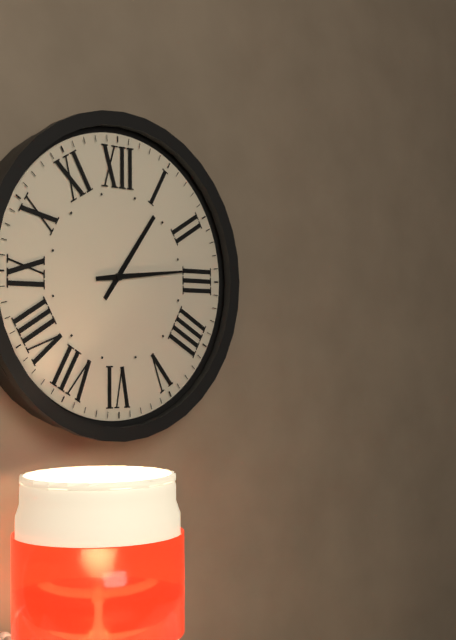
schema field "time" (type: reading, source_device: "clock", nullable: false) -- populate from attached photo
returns 1:14
